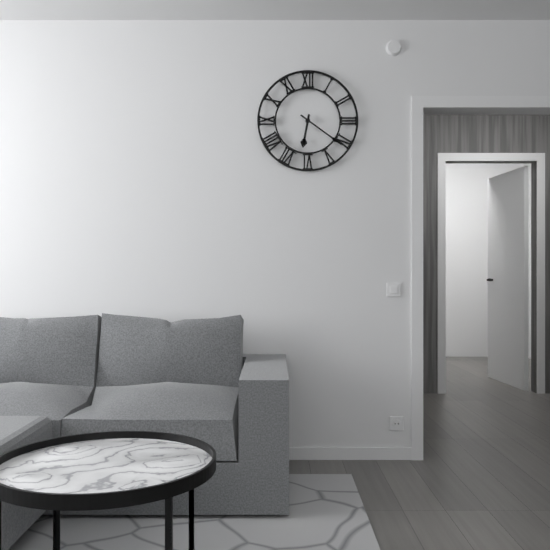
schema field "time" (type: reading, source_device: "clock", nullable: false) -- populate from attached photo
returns 6:21
